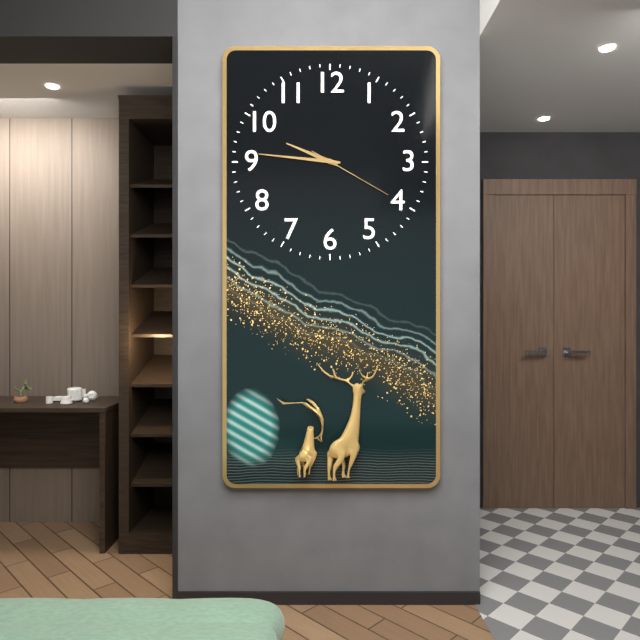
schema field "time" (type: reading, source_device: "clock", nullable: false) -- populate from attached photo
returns 9:46:20
